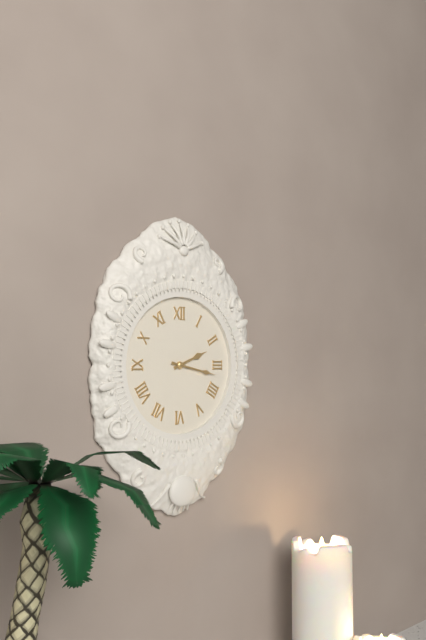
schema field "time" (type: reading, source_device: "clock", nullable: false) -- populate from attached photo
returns 2:17
